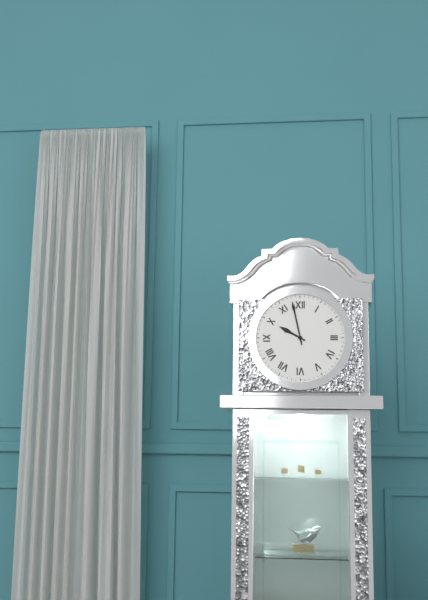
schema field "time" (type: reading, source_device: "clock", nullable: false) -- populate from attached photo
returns 9:58
